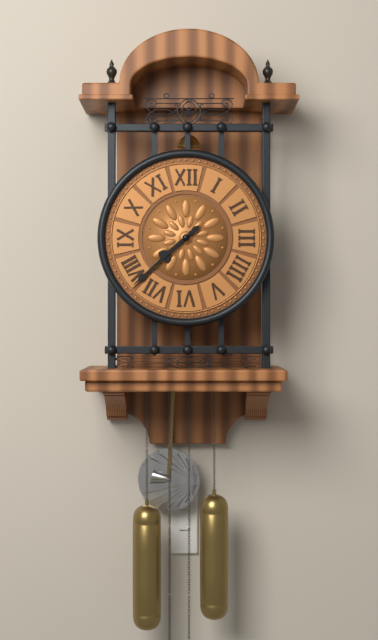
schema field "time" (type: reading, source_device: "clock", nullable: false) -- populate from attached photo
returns 7:38
